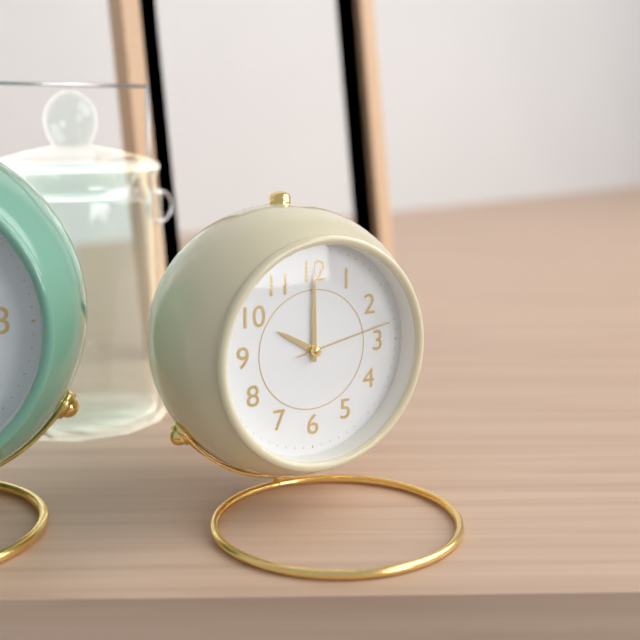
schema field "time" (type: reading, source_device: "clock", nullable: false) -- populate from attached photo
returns 10:00:13
